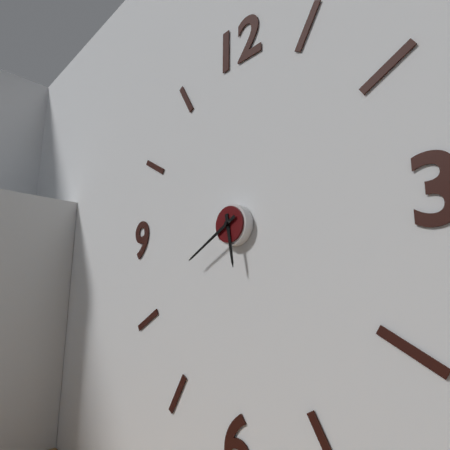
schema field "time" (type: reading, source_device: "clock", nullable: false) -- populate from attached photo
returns 5:40
